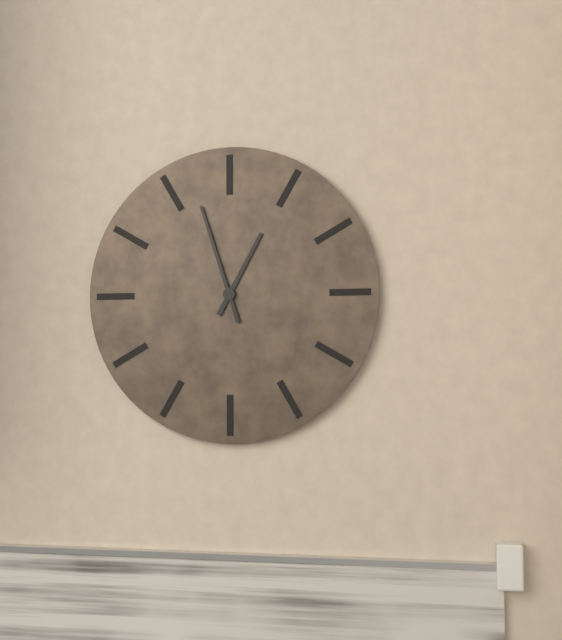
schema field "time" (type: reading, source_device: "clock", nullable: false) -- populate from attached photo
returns 12:57
